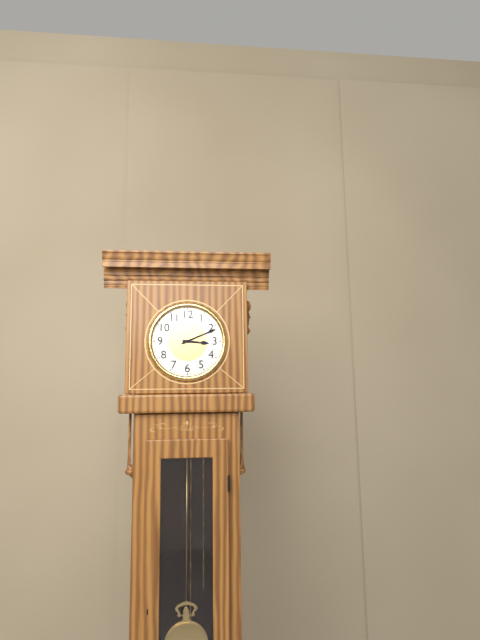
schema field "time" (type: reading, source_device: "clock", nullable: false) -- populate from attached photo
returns 3:11
